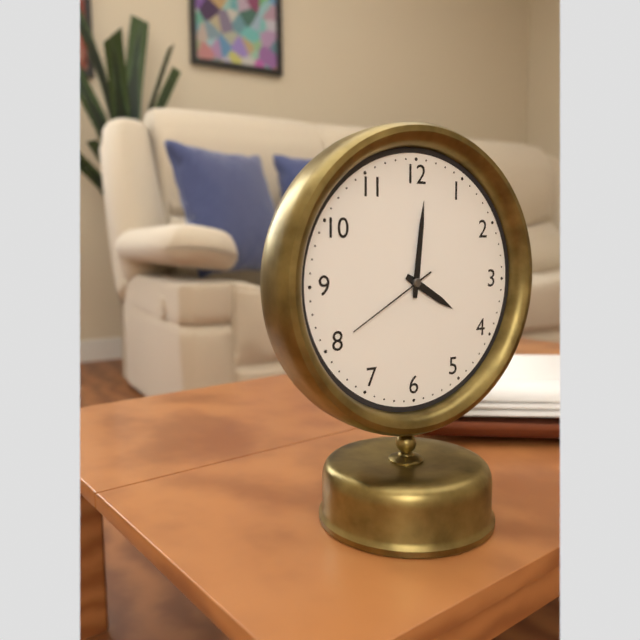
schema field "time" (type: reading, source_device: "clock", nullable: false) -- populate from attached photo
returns 4:01:40
